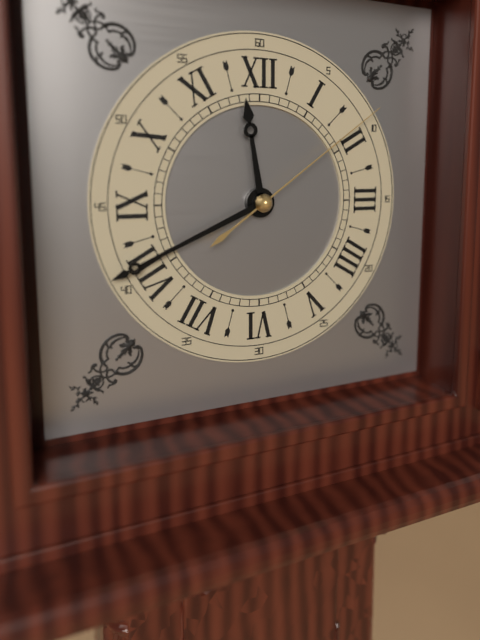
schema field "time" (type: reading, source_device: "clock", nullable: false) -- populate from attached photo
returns 11:41:09
